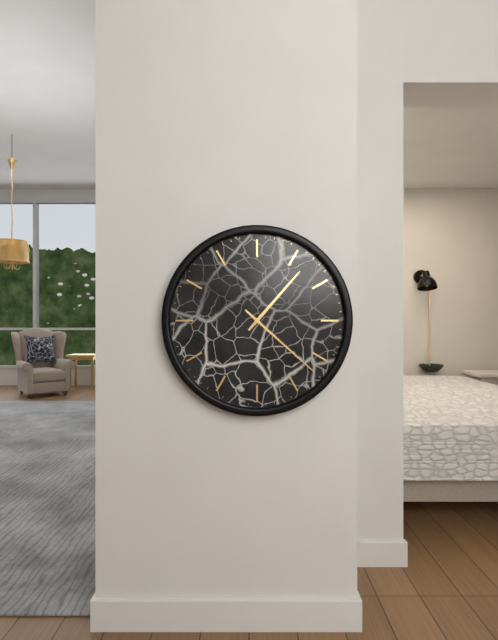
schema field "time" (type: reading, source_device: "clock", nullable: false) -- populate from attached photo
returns 1:22
